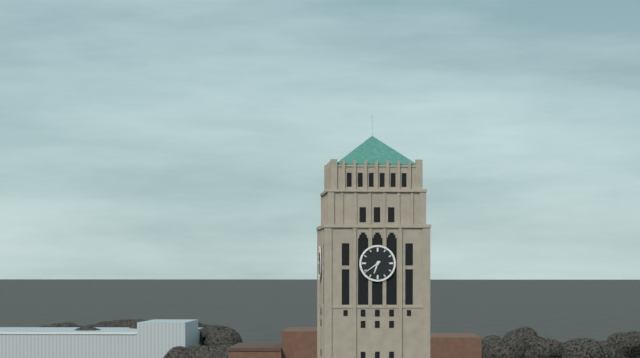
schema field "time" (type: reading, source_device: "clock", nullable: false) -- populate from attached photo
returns 6:39
